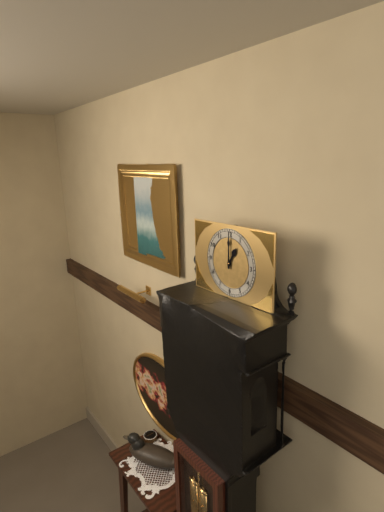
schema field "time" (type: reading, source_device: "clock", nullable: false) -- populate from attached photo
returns 1:00
